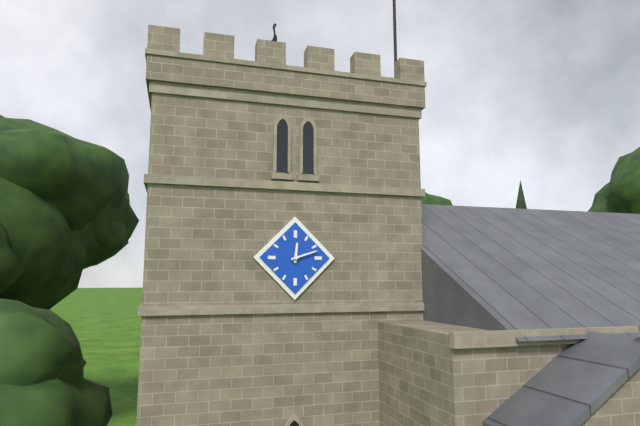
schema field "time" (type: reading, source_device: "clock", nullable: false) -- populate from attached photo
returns 12:12
